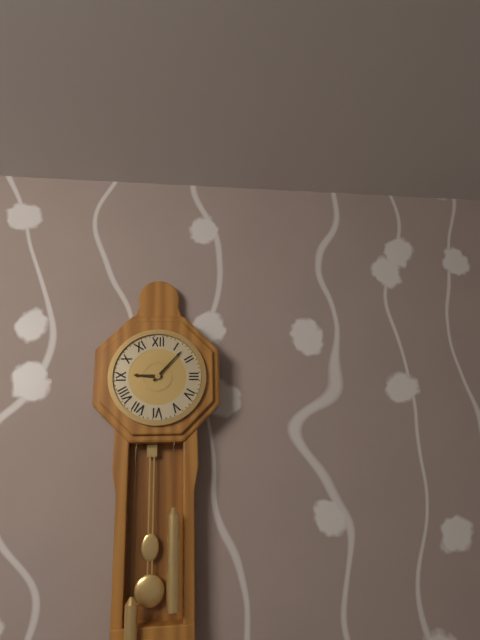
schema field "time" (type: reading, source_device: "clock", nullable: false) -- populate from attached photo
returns 9:07
